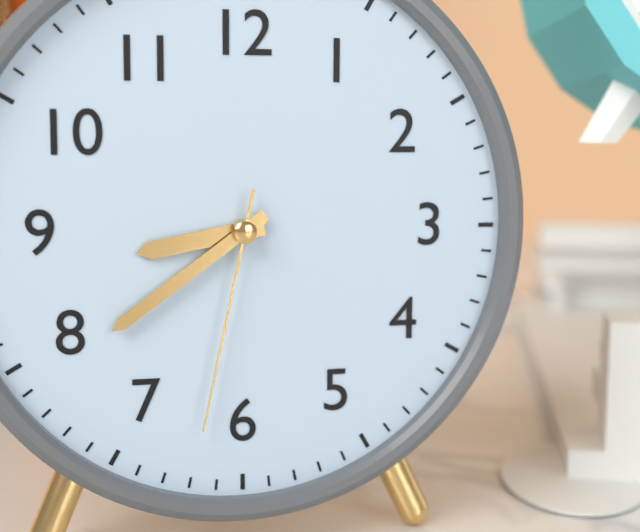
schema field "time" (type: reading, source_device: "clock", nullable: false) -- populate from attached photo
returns 8:39:32
